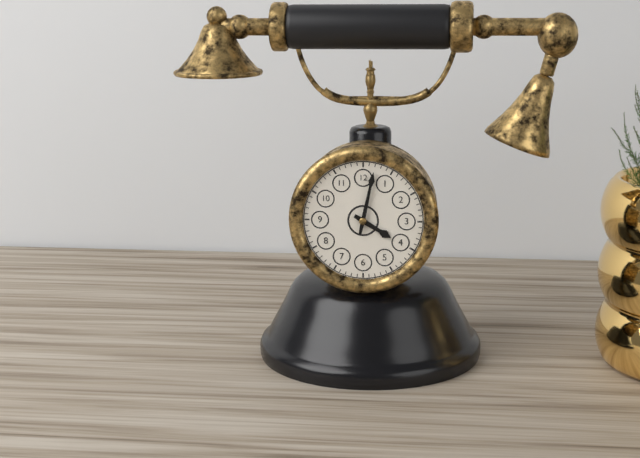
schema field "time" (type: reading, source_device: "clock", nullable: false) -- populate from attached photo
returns 4:02
